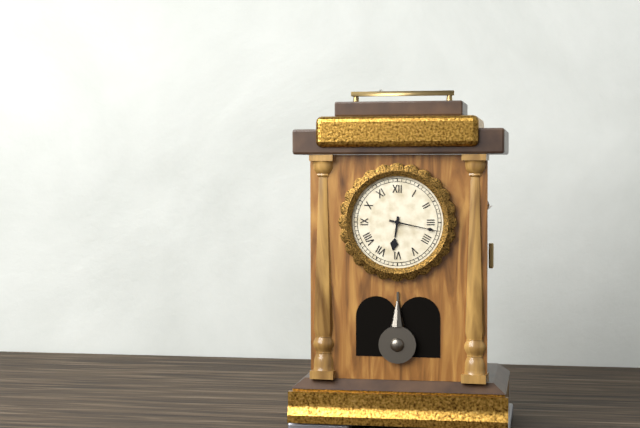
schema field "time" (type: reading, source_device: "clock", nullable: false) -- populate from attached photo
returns 6:17
